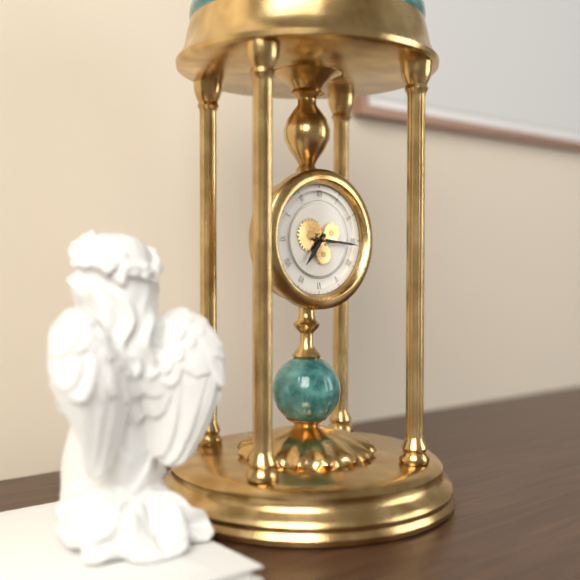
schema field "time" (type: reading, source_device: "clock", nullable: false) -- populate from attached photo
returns 7:16
